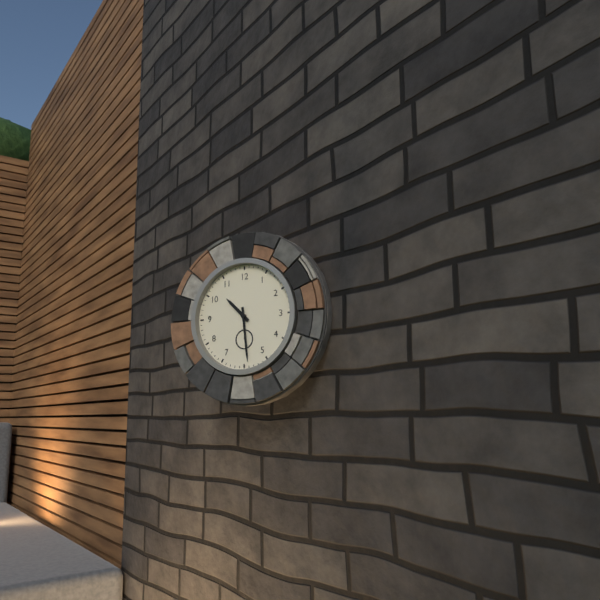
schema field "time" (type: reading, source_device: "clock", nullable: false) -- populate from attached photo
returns 10:29
